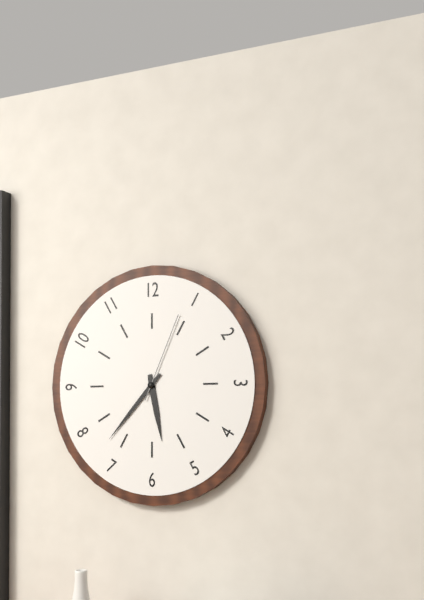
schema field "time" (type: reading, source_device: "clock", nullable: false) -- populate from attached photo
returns 5:37:04
